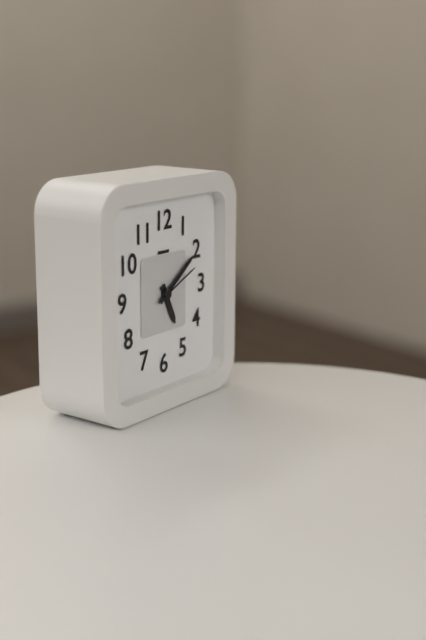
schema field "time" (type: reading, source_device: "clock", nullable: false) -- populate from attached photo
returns 5:09
